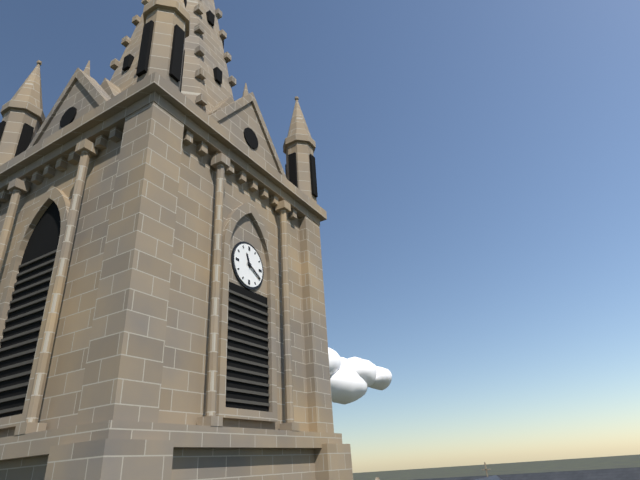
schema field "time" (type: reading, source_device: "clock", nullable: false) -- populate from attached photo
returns 11:20
